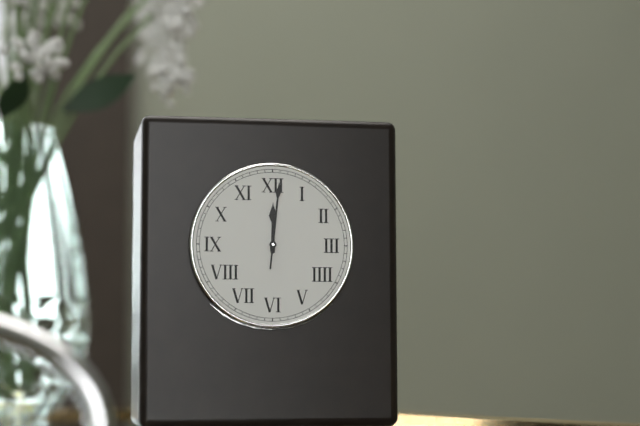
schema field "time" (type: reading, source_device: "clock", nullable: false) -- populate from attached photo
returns 12:01
